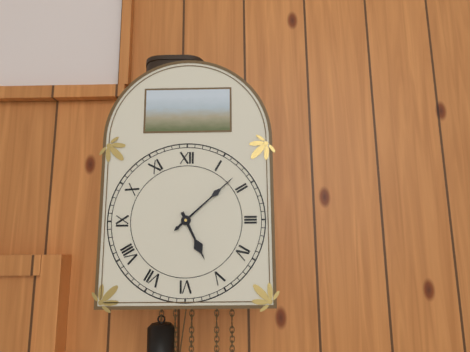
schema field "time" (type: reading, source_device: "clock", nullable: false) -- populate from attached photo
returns 5:08
